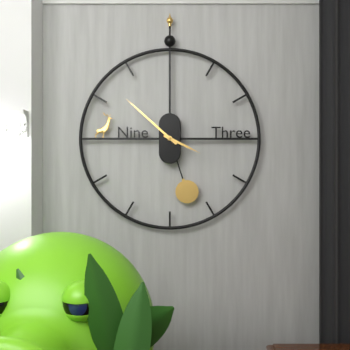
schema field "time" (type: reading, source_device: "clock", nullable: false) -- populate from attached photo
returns 3:52
